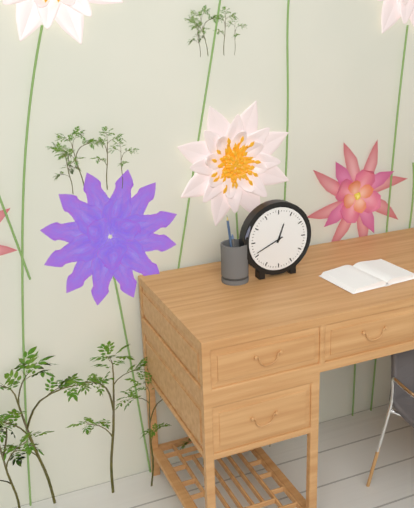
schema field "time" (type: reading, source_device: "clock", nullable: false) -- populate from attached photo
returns 12:41
